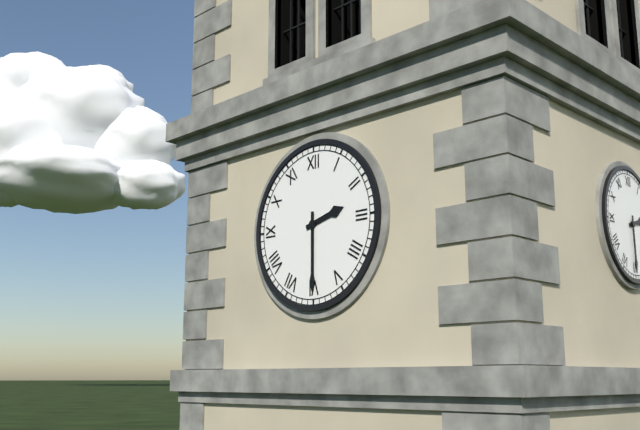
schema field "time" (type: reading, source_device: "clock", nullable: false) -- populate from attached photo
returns 2:30
